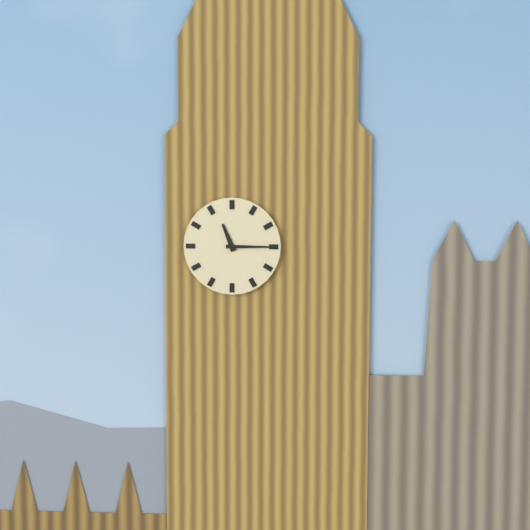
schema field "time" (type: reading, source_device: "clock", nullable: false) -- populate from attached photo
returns 11:15
